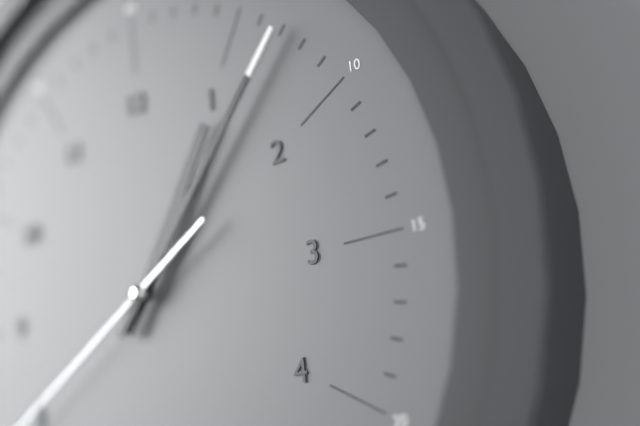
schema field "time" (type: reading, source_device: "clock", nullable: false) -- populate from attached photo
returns 1:07
